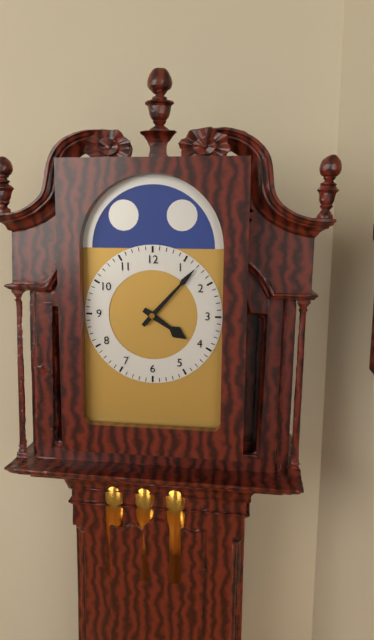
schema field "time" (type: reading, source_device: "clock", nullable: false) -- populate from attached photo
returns 4:07
